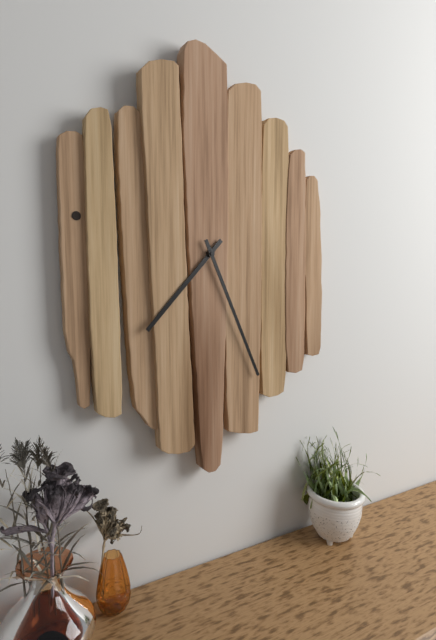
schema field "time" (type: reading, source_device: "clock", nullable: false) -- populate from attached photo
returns 7:26
